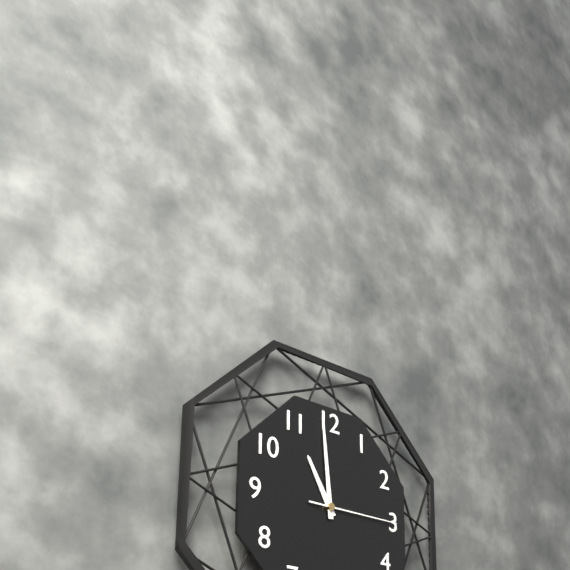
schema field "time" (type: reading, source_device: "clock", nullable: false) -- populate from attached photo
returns 10:59:15
